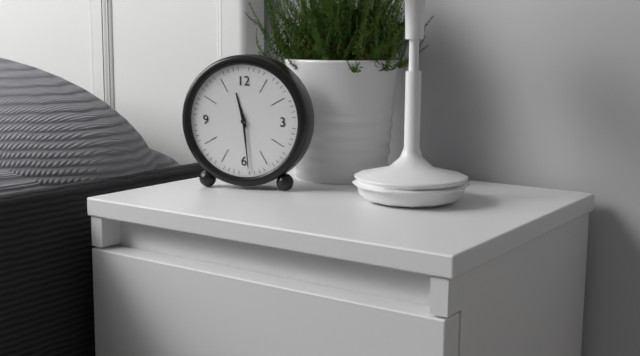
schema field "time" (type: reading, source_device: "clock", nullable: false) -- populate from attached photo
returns 11:29:29
